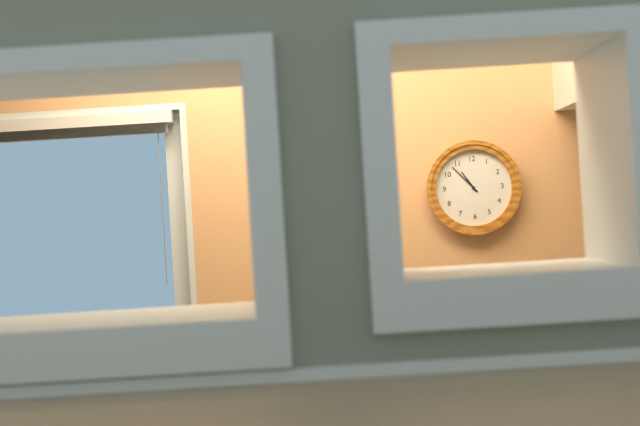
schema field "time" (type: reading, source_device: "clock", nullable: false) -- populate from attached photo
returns 10:53
